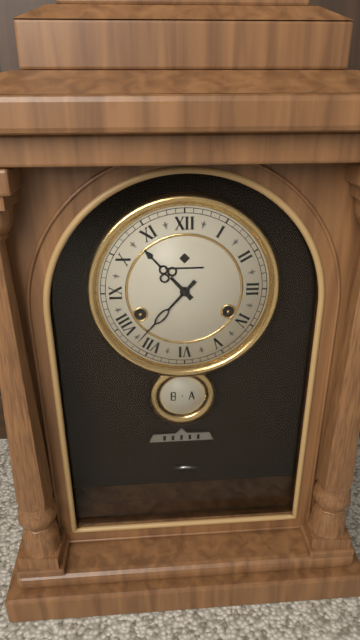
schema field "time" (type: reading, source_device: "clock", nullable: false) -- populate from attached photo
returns 10:37
